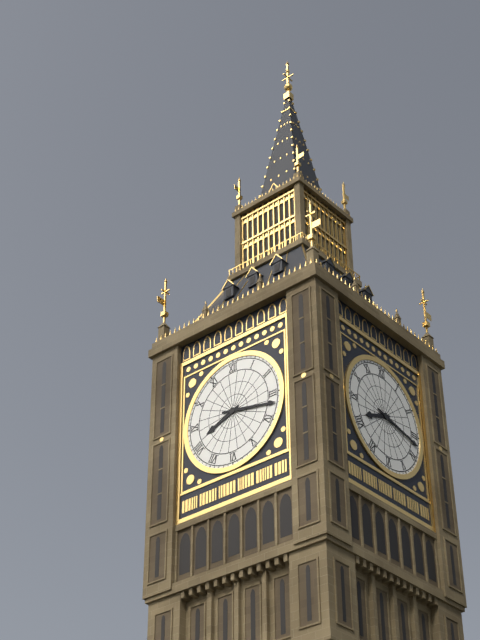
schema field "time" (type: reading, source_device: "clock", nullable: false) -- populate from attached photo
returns 8:17
